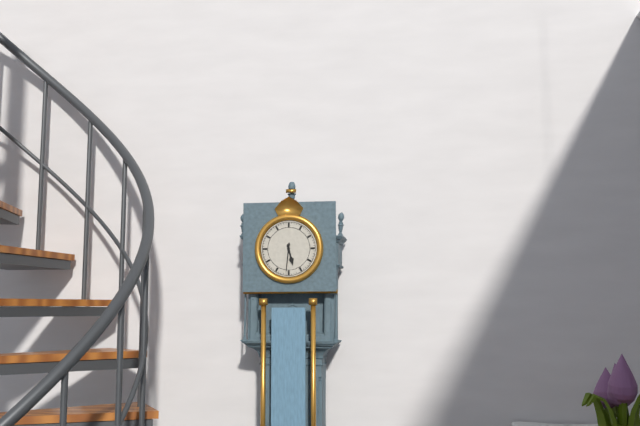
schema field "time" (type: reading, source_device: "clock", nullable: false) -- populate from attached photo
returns 5:31
